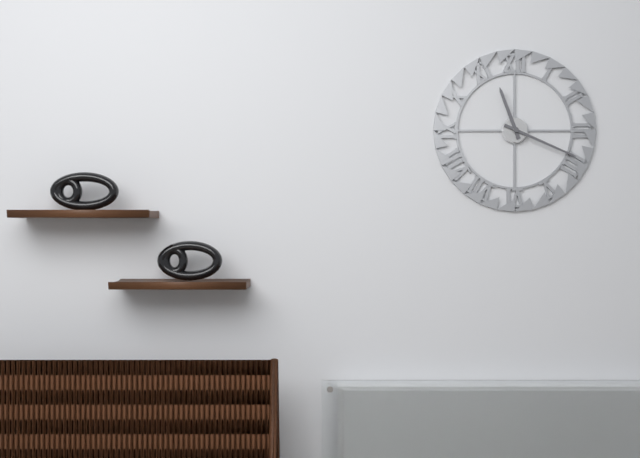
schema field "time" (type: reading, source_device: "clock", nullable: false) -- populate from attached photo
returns 11:19
